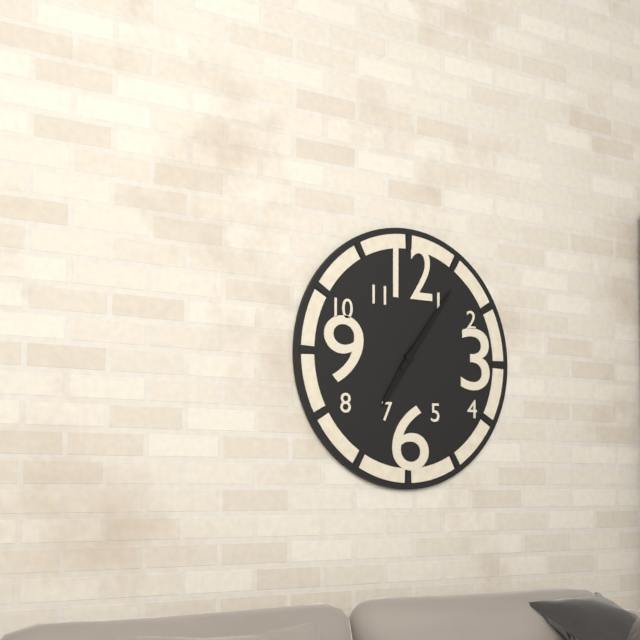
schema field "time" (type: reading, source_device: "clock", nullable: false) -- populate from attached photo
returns 7:06
